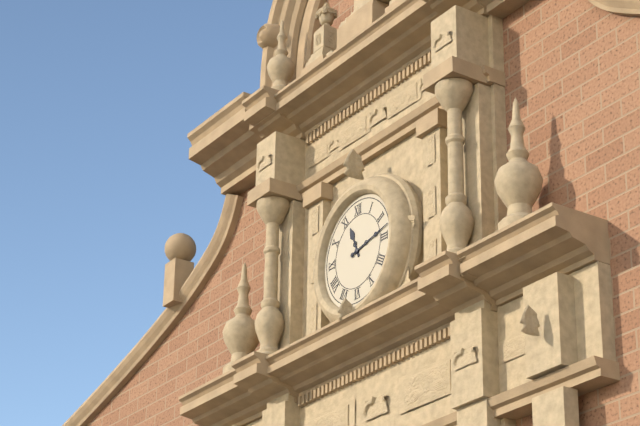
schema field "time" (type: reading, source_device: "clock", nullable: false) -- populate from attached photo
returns 11:13
